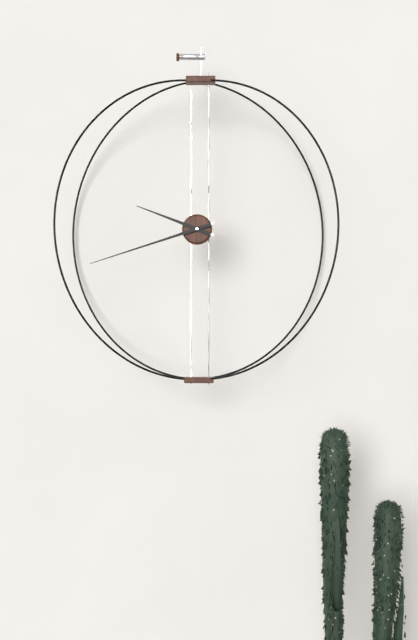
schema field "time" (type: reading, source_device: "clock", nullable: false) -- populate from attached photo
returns 9:42
